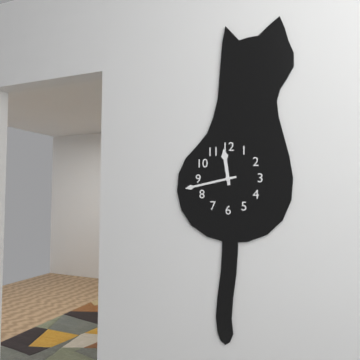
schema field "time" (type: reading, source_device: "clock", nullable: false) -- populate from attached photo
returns 11:43
